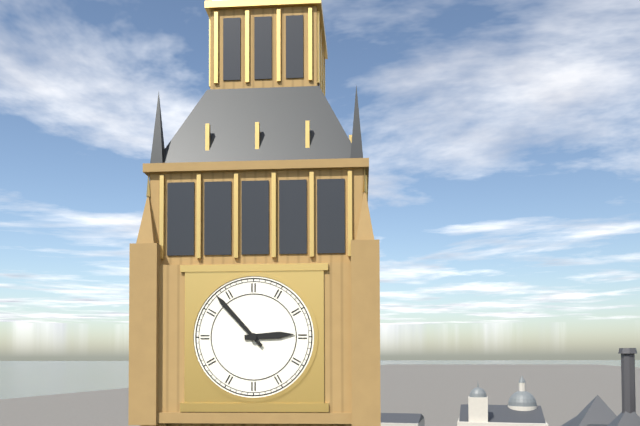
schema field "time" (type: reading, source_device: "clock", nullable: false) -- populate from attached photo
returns 2:53
